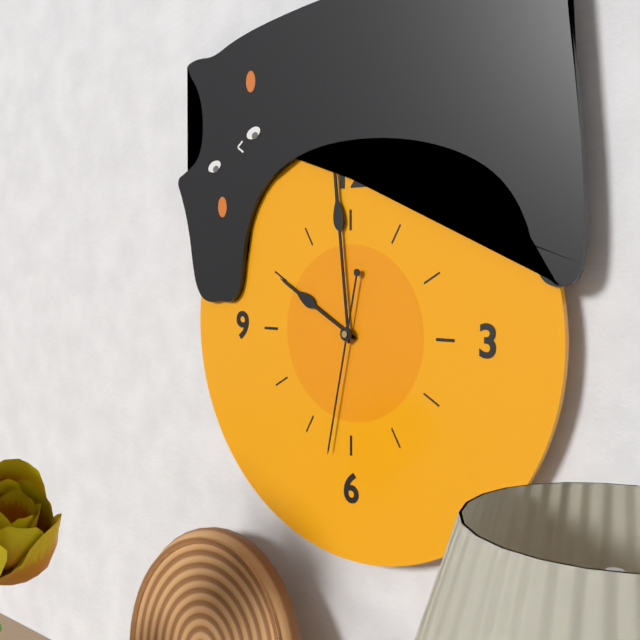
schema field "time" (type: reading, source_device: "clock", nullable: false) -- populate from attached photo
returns 9:59:32
